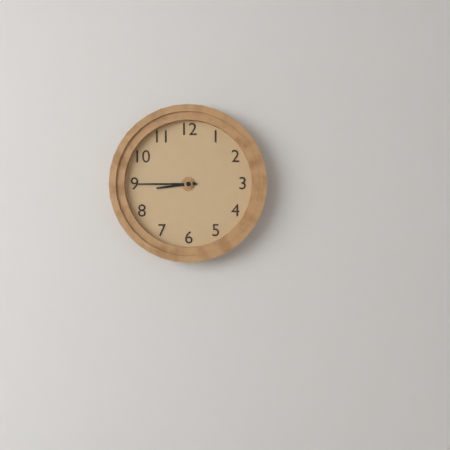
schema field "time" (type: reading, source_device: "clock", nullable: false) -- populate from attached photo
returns 8:45
